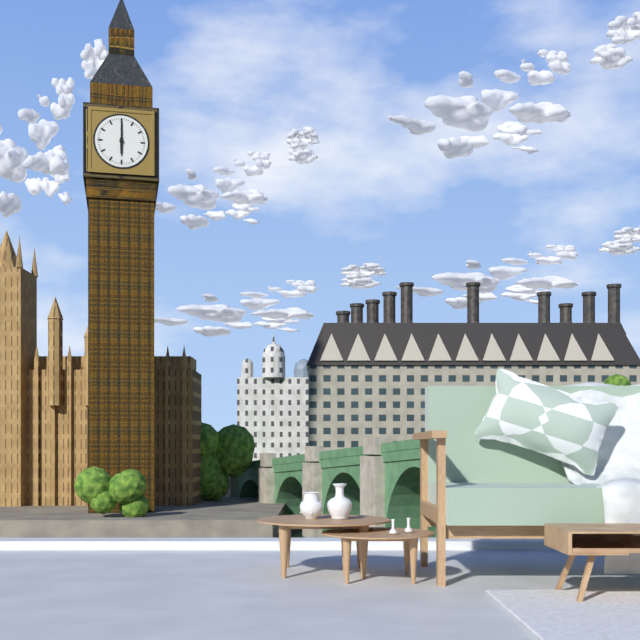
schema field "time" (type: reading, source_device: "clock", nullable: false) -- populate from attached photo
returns 6:00
